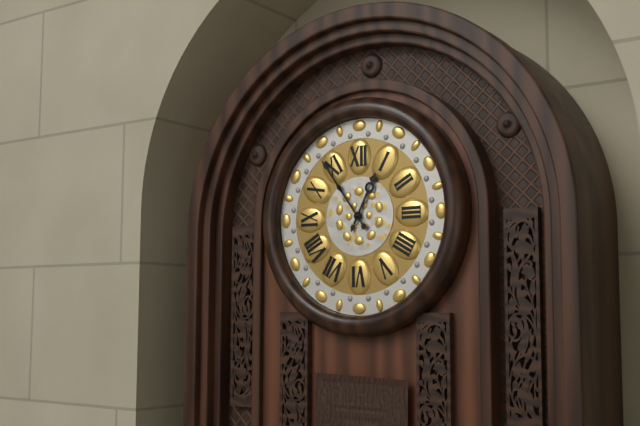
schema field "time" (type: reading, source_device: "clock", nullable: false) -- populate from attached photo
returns 12:54
